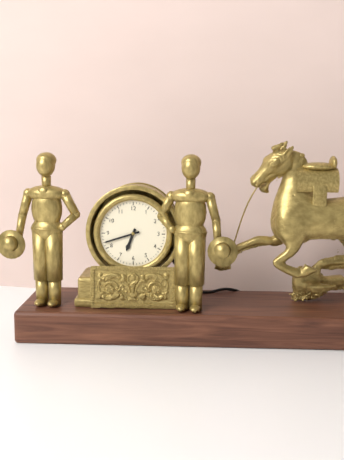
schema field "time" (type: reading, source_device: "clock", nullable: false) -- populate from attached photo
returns 6:42
